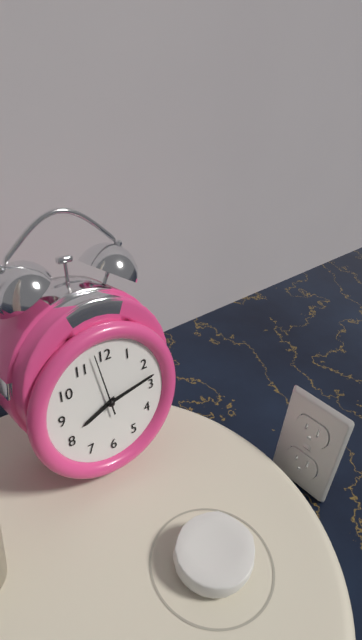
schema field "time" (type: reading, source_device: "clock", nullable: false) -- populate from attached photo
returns 8:13:58
